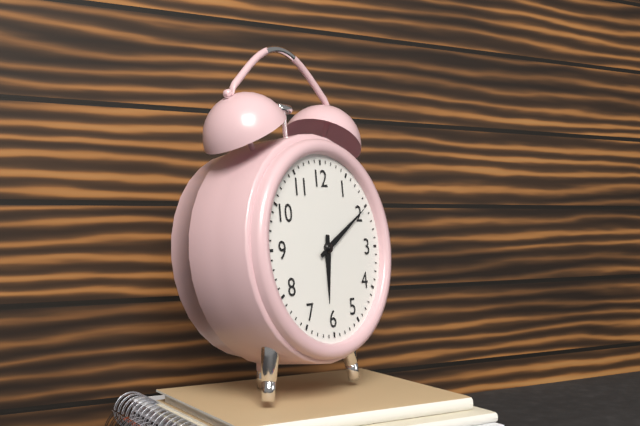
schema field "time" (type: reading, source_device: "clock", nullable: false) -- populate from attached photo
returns 6:10
